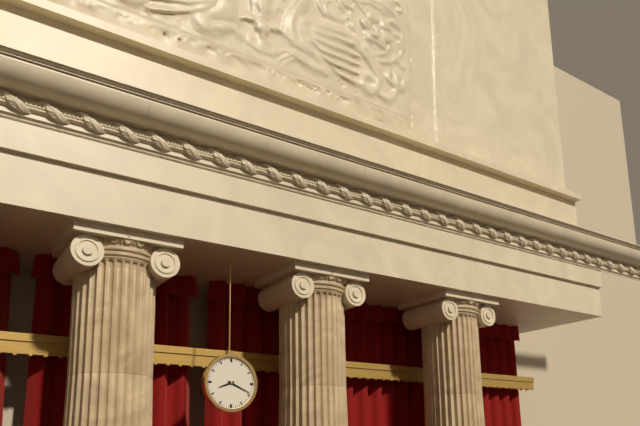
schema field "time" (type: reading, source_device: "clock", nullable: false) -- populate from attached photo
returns 8:19
